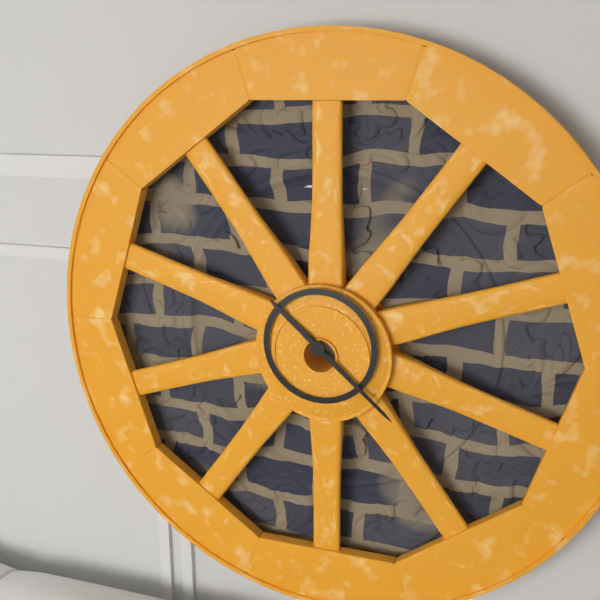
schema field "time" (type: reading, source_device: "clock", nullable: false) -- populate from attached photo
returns 10:22
